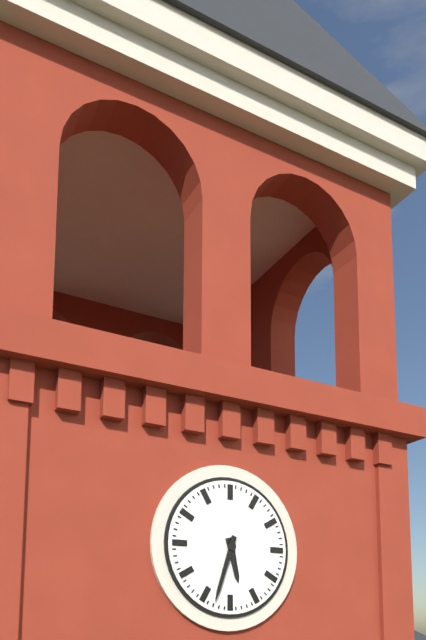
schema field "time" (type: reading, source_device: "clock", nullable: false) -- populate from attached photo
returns 5:33
